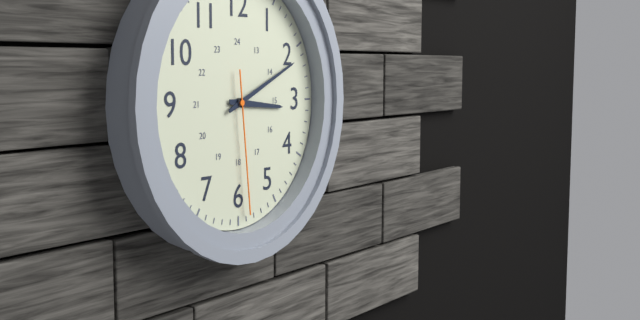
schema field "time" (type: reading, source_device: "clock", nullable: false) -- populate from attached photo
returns 3:11:29
